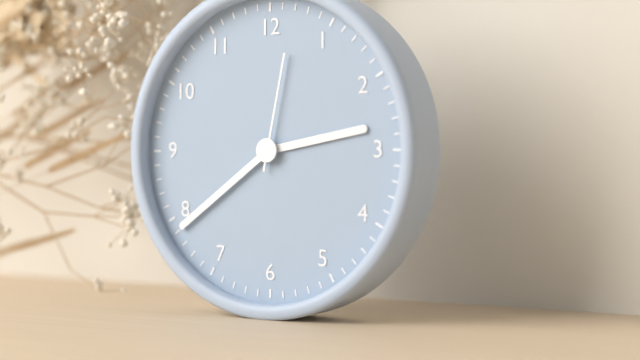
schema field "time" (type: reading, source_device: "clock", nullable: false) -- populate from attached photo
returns 2:39:02
